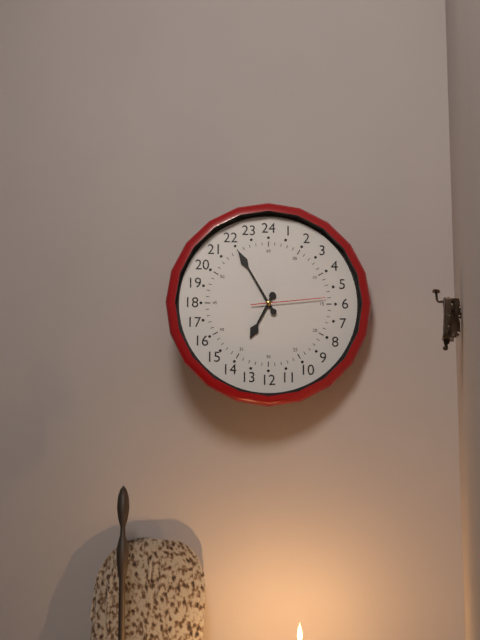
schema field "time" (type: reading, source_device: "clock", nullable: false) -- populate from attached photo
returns 6:55:14
